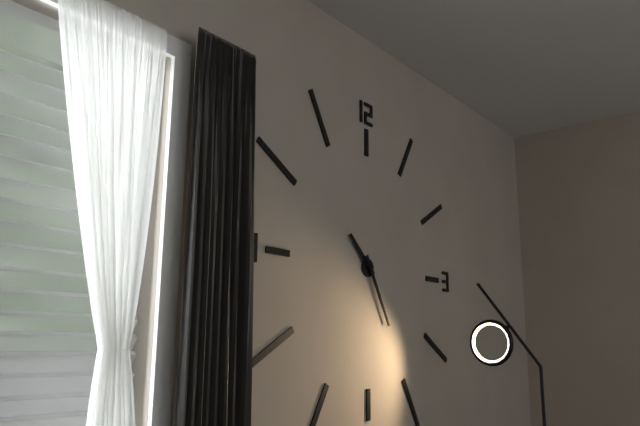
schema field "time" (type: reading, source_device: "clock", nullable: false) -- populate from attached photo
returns 10:25
